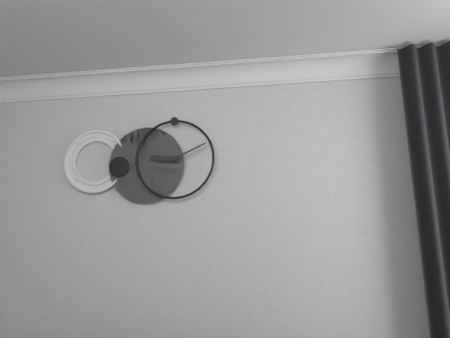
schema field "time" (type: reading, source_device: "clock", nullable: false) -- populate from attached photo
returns 9:11
